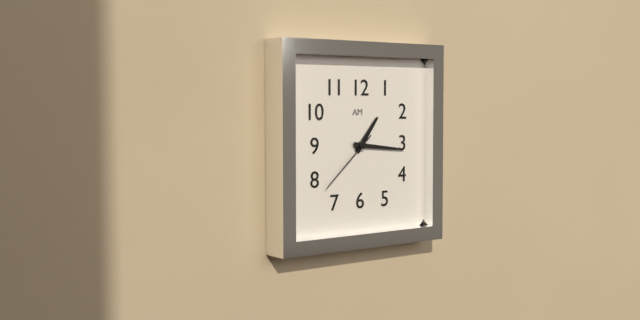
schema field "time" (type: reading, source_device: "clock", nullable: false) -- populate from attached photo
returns 1:16:38
